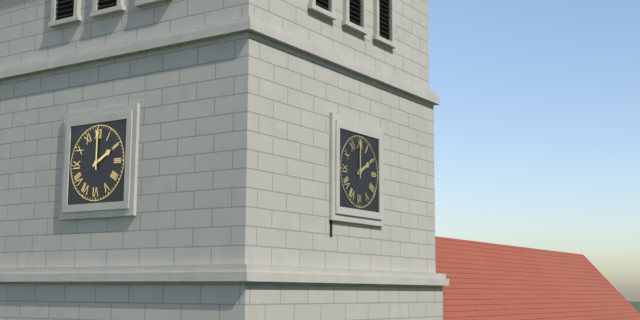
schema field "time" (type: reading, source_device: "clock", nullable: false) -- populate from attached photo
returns 2:00
